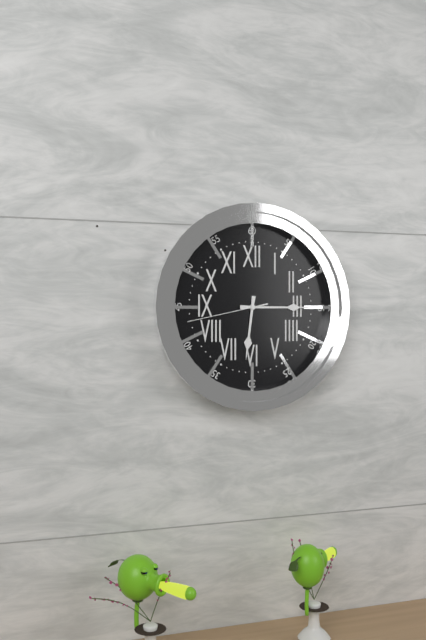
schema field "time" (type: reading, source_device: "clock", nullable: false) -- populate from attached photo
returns 6:15:43
